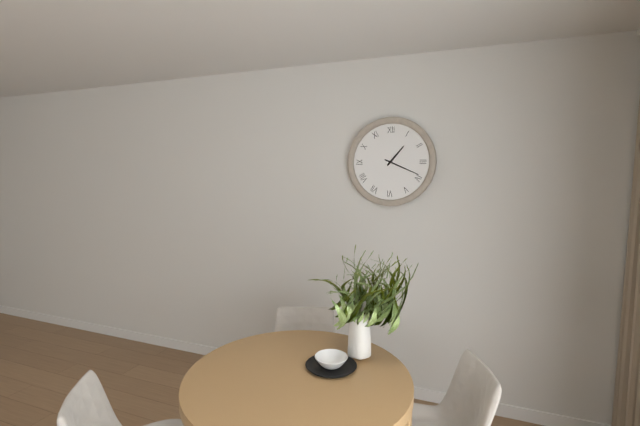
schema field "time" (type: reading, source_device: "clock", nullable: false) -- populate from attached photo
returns 1:19
